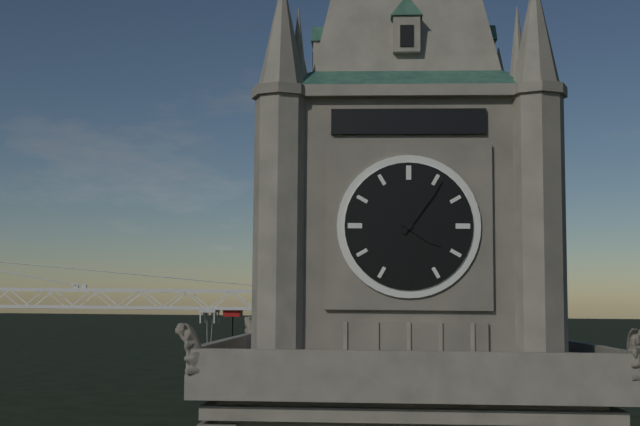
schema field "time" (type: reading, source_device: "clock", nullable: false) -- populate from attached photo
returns 4:06
